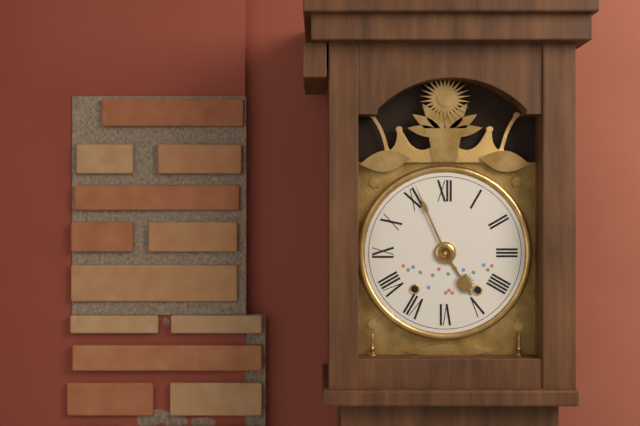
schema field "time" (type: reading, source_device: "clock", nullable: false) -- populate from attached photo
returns 4:56
